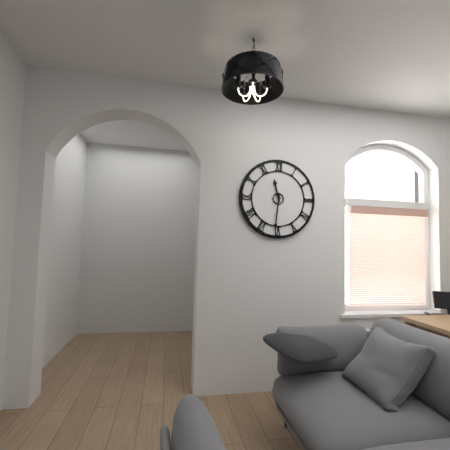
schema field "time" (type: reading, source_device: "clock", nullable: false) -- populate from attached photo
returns 11:31
